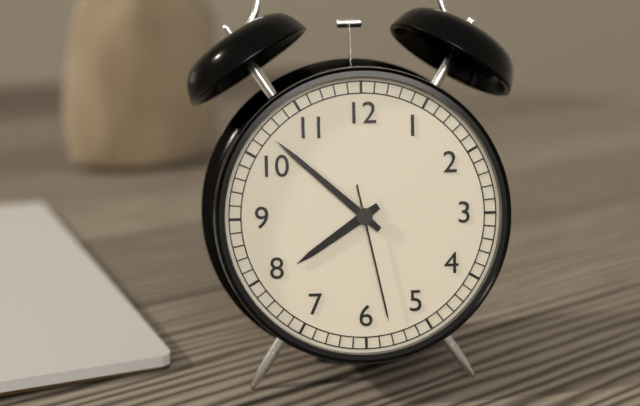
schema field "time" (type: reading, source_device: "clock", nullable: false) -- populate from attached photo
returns 7:52:28
